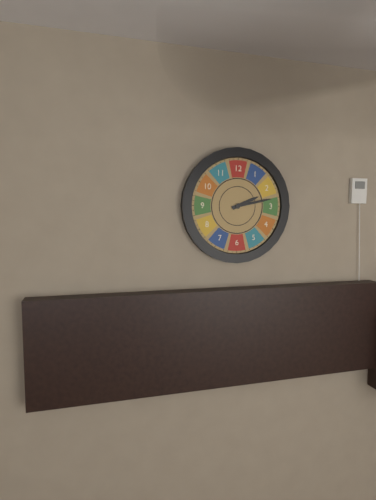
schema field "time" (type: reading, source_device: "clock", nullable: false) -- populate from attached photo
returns 2:13
